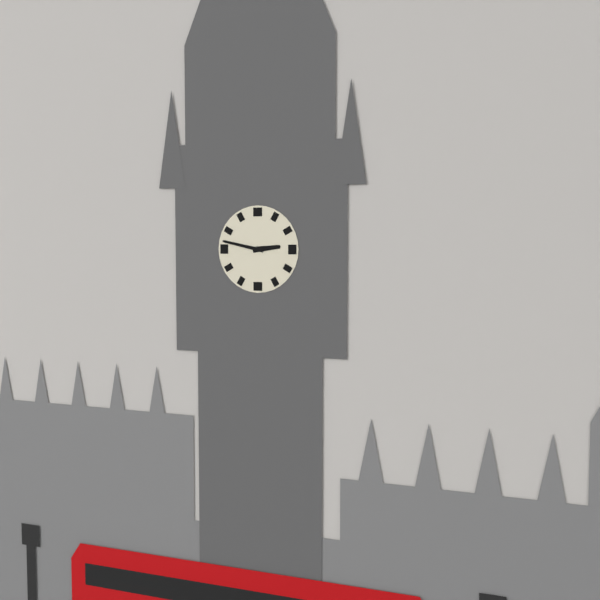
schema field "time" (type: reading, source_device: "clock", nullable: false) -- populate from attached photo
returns 2:47
